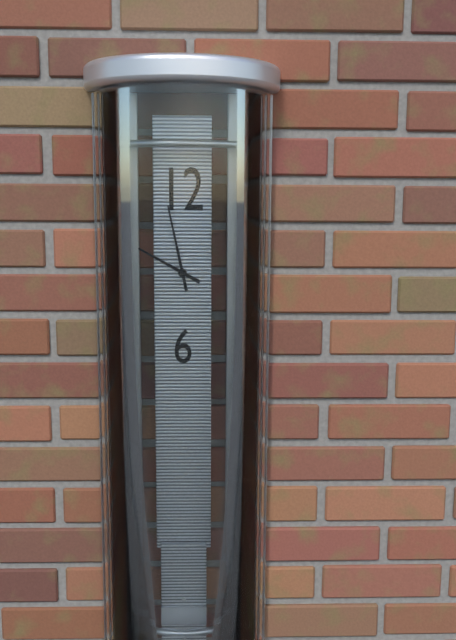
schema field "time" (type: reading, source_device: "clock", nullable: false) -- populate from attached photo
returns 9:58
